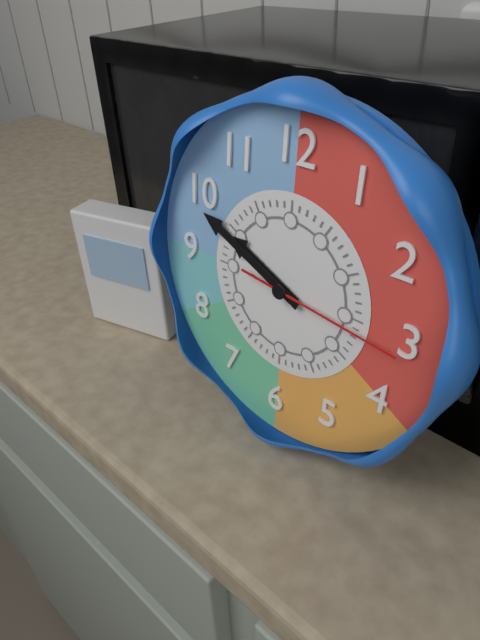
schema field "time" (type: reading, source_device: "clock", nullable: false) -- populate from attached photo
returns 9:49:16
